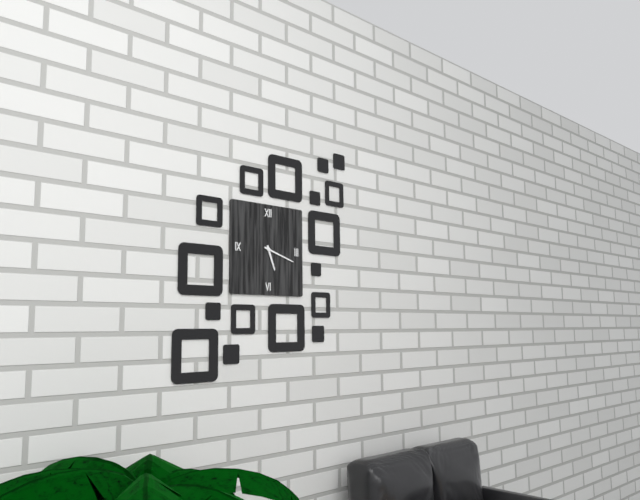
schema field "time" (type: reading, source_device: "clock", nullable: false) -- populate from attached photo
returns 5:18
